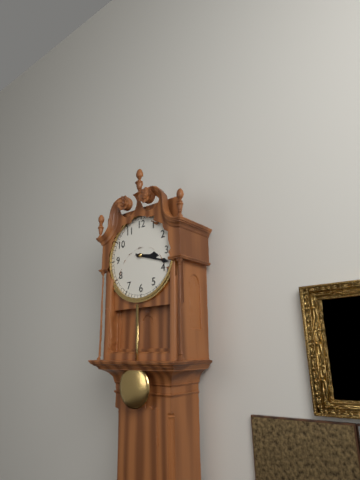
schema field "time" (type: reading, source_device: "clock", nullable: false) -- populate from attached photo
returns 3:18
